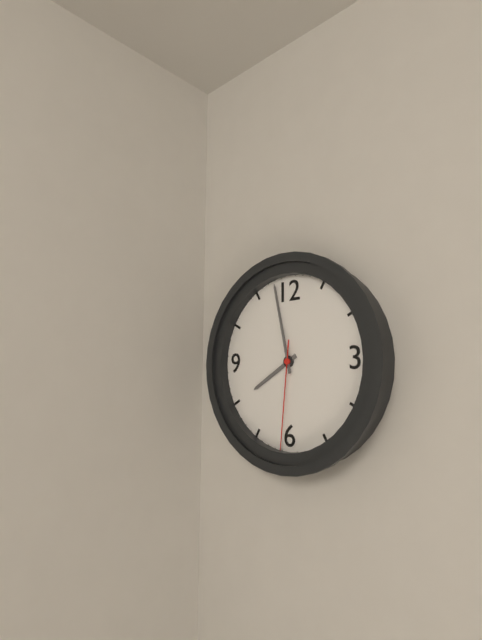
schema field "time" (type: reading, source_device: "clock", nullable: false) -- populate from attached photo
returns 7:58:31
